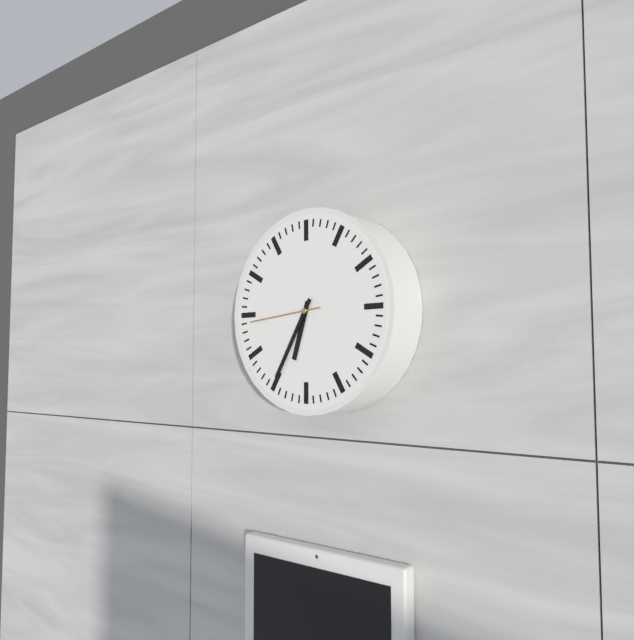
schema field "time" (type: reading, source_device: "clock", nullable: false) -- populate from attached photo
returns 6:35:44
